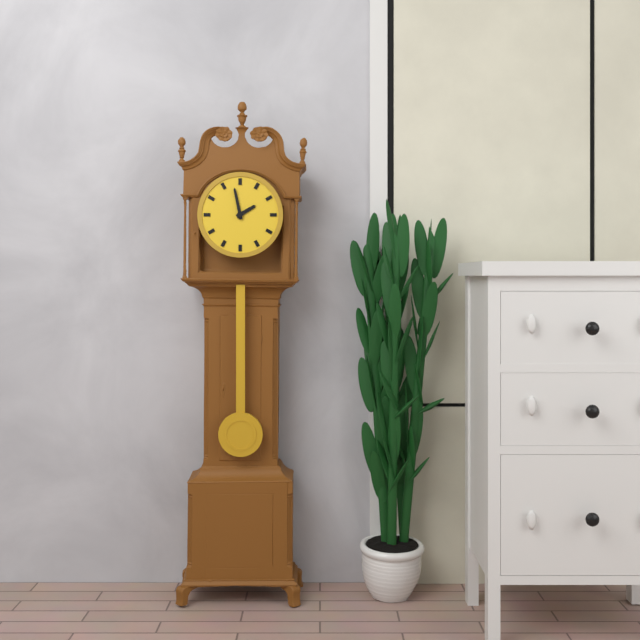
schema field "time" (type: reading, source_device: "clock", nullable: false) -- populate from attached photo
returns 1:58
